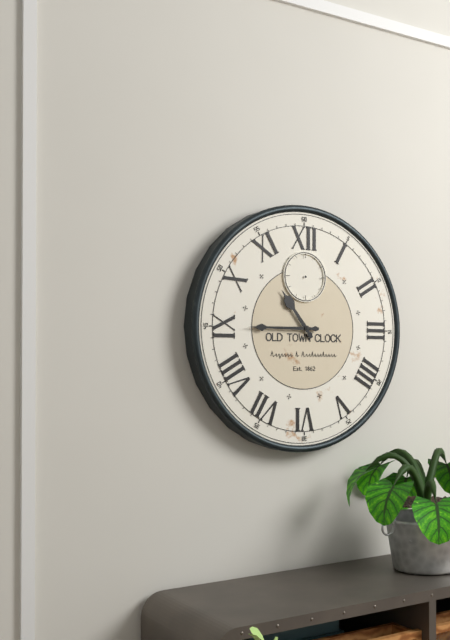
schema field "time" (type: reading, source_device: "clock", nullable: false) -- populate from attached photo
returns 10:45
